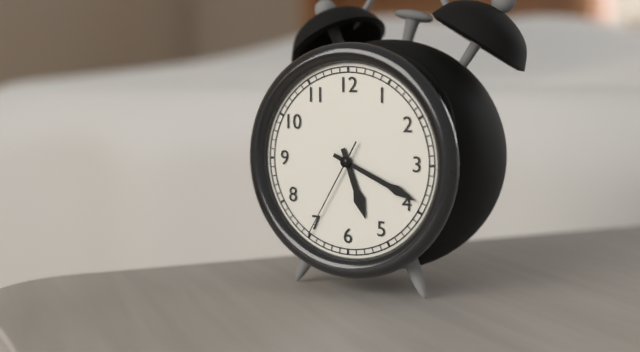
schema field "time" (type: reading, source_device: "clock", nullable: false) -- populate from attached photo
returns 5:19:35
